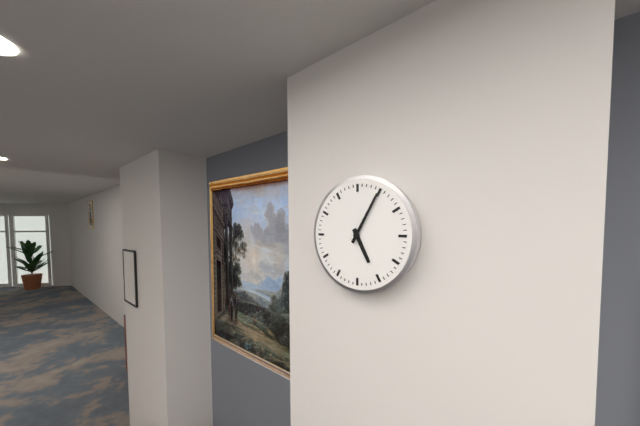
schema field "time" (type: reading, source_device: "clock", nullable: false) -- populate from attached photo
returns 5:05
